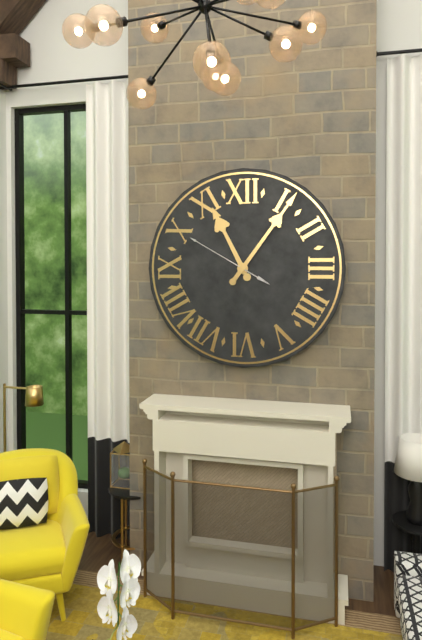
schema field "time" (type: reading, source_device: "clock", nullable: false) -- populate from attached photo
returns 11:06:50
